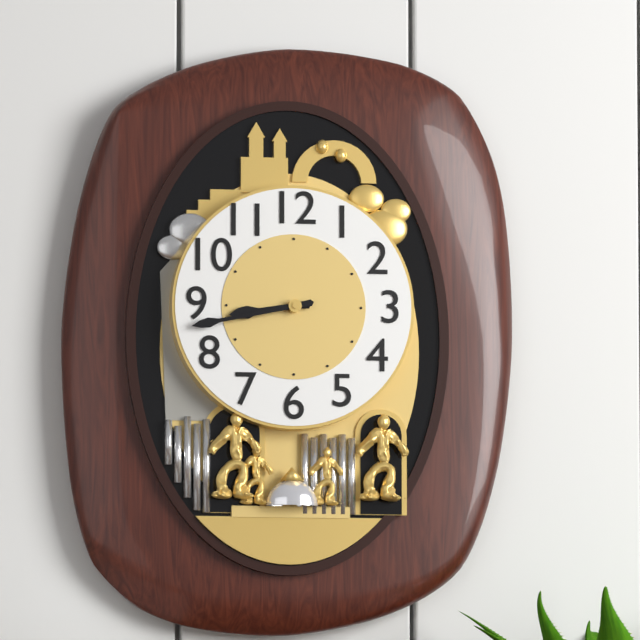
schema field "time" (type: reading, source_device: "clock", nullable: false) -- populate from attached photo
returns 8:43
